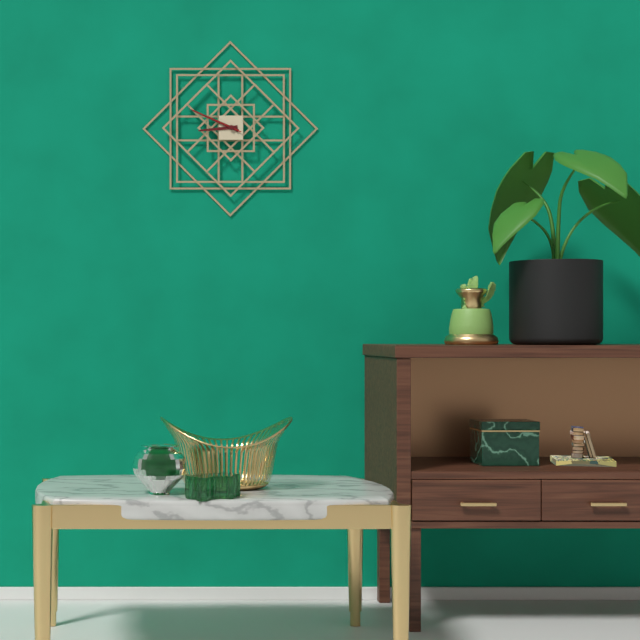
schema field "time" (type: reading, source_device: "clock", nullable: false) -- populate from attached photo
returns 8:49:49
